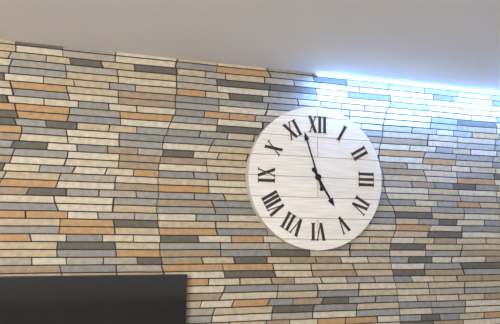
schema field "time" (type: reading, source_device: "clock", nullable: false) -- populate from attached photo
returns 4:57
